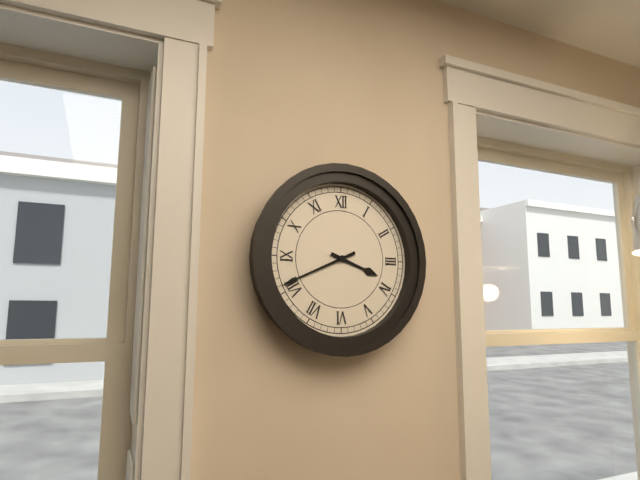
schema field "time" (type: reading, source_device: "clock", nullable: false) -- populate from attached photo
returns 3:41
